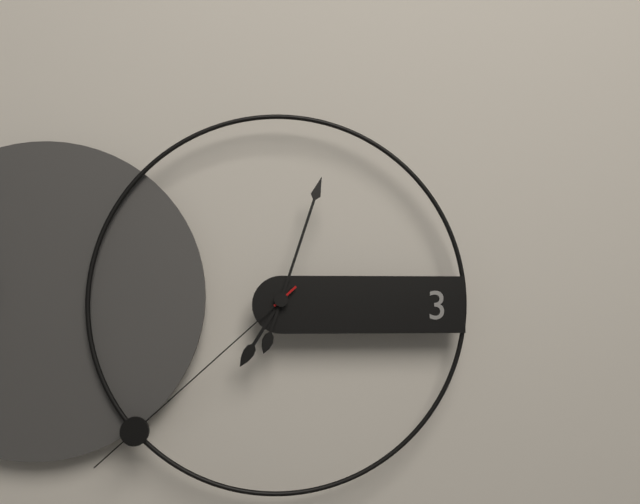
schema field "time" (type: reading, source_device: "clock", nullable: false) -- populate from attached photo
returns 7:03:38
